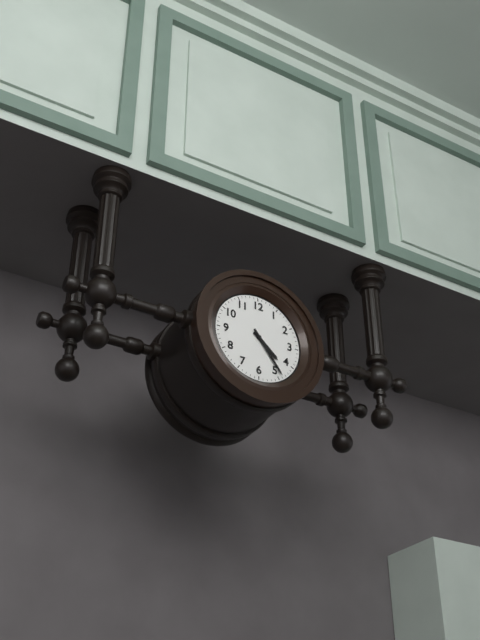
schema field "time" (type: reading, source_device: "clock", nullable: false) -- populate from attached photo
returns 4:24
